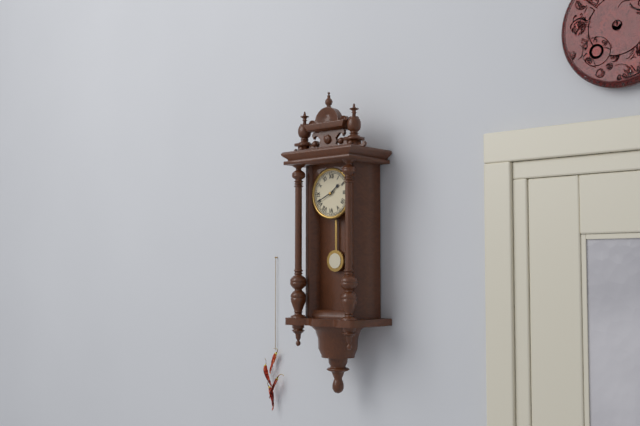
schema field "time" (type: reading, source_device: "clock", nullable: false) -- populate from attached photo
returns 1:41
